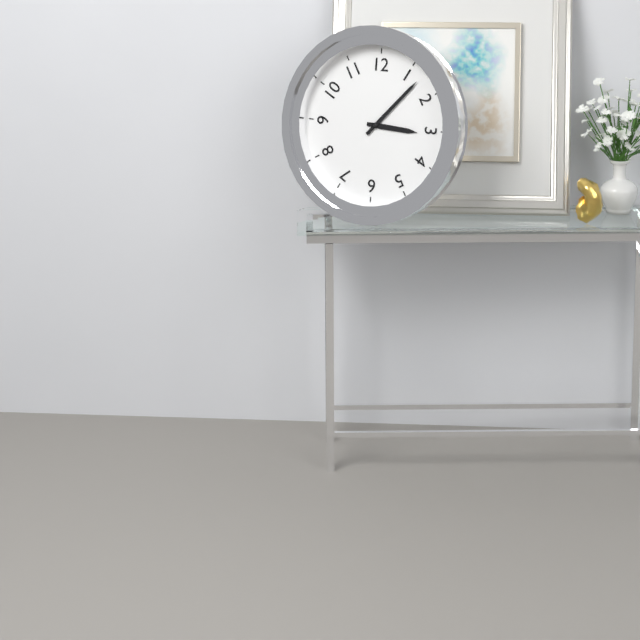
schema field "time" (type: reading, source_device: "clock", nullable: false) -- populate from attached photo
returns 3:07
